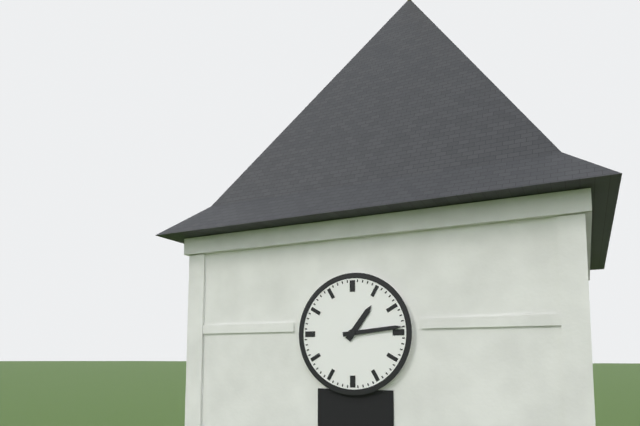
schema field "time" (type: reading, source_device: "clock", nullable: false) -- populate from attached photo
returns 1:14
